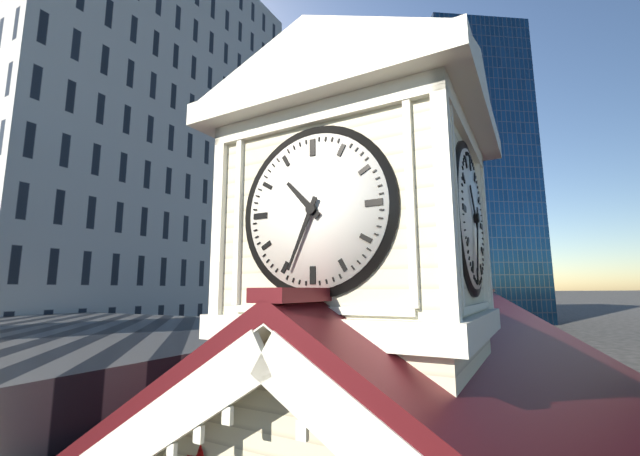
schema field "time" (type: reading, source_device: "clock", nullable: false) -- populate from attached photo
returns 10:34
